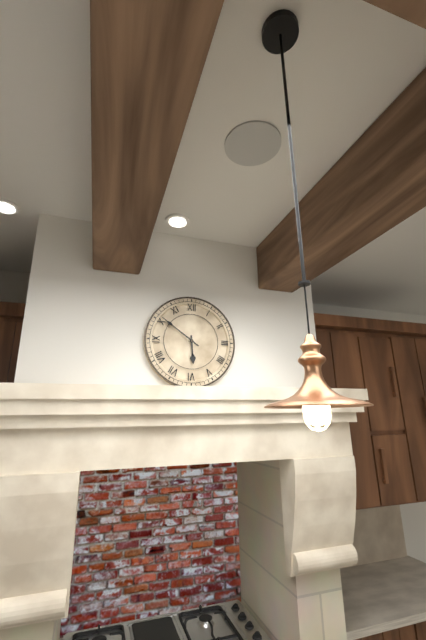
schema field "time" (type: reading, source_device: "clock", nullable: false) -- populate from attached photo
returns 5:51
